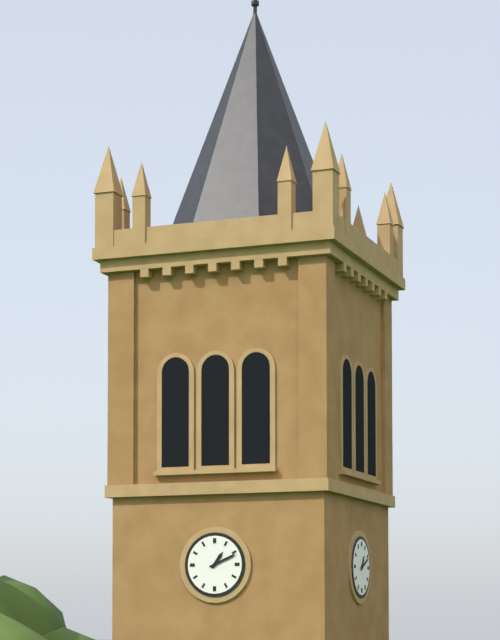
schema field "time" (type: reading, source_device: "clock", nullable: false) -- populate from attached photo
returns 1:11
